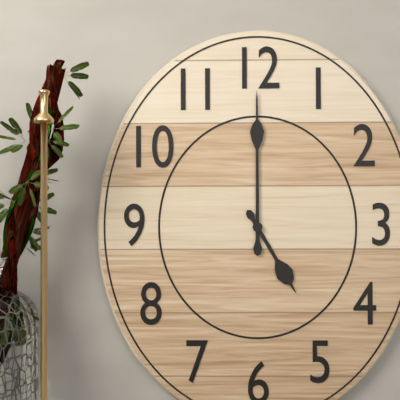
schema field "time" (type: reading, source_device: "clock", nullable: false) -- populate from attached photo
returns 5:00
